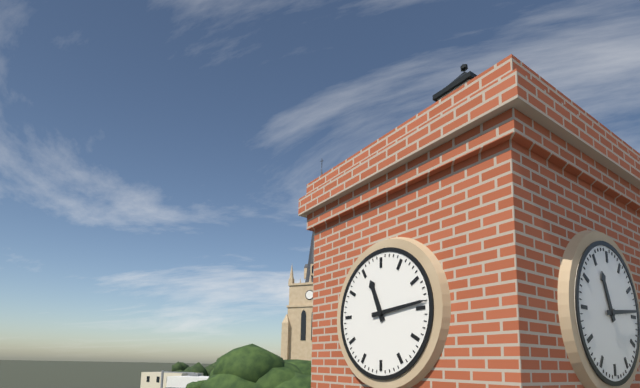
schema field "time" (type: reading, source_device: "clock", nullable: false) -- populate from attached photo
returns 11:14
